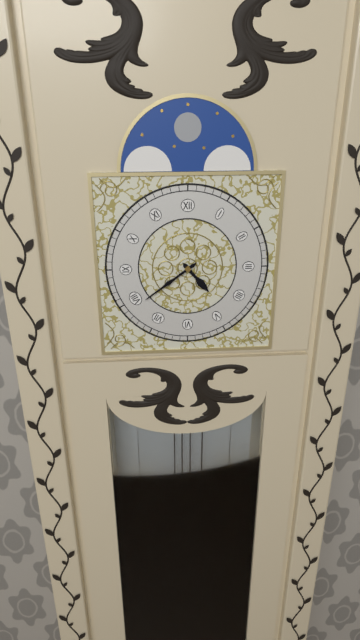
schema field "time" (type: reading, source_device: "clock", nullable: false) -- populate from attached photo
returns 4:39
